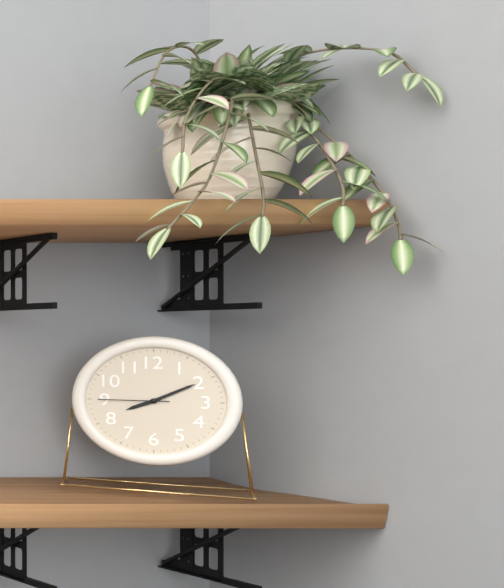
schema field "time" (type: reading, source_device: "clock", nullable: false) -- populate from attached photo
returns 8:10:45
